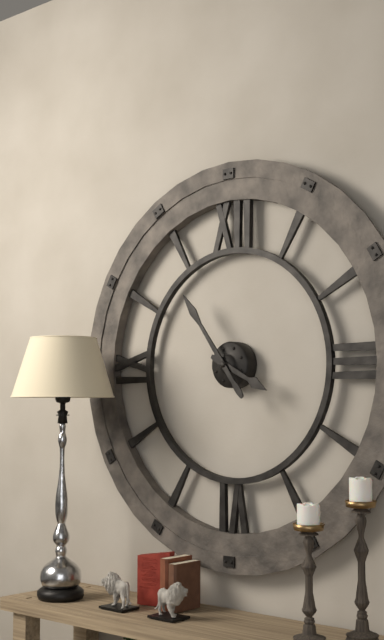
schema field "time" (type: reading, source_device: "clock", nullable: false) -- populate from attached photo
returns 3:54
